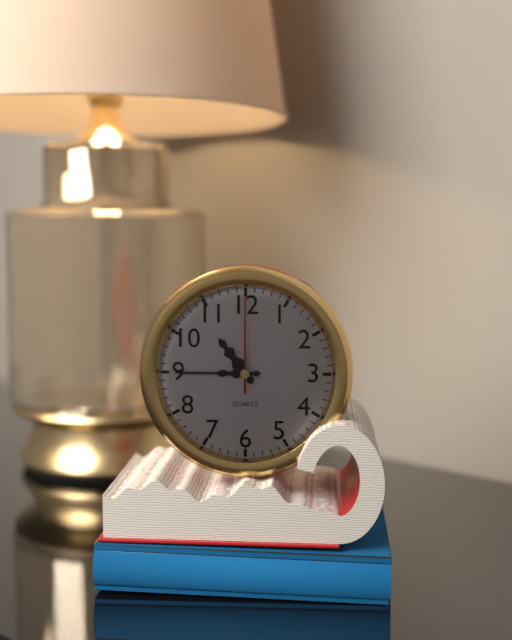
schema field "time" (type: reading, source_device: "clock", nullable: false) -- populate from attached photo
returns 10:45:00
